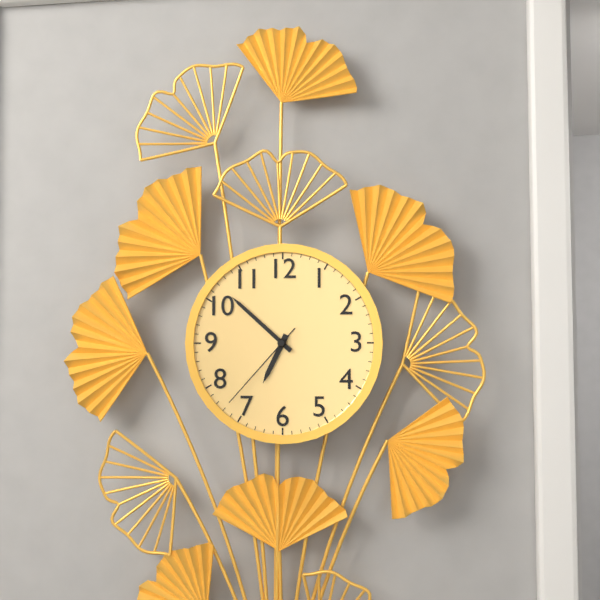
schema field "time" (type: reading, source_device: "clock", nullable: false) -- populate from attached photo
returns 6:52:37
